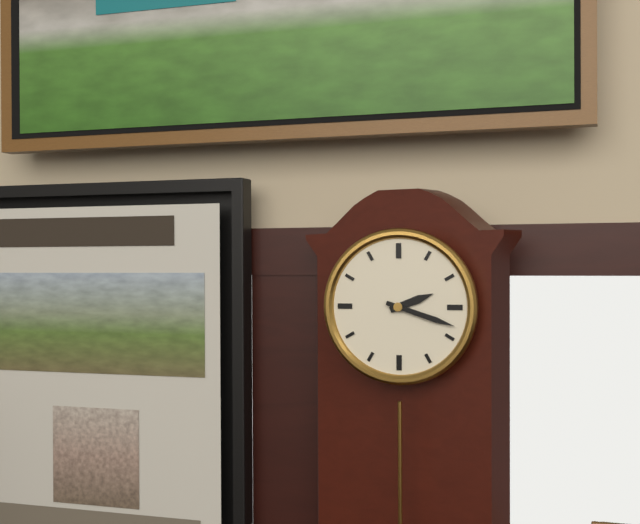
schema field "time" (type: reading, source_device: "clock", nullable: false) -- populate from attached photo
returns 2:18
